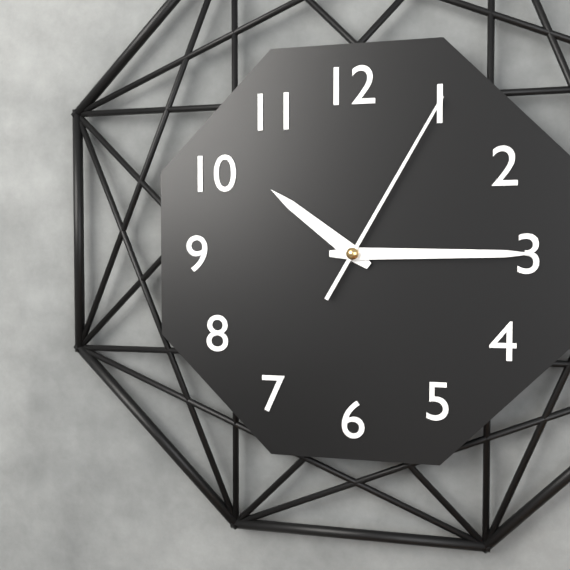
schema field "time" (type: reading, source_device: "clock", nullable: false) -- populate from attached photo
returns 10:15:05
